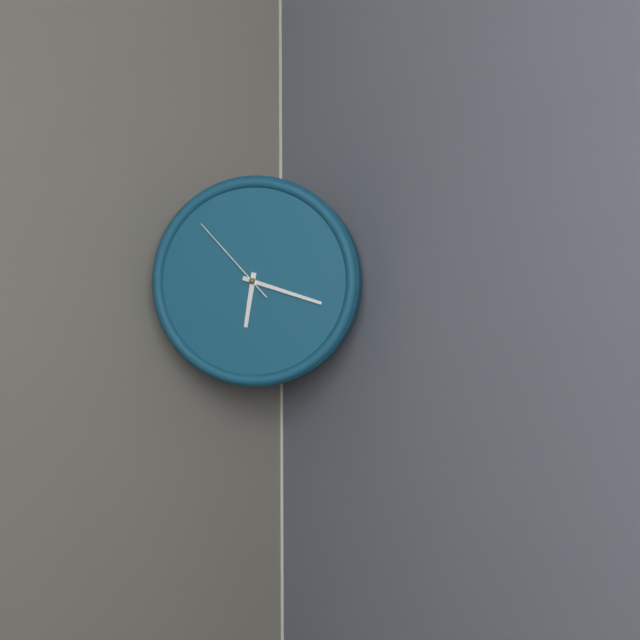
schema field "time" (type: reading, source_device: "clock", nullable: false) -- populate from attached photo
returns 6:18:53
